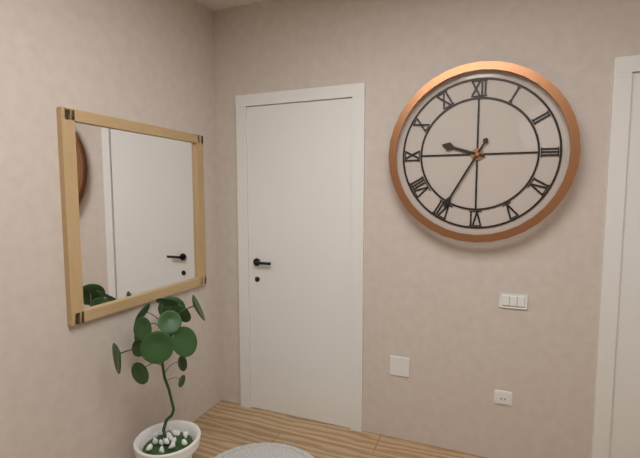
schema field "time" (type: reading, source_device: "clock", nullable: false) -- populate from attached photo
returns 9:35
